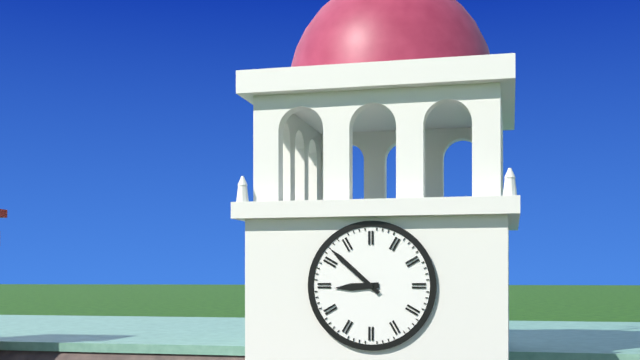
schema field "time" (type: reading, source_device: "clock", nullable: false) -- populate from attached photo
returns 8:52
